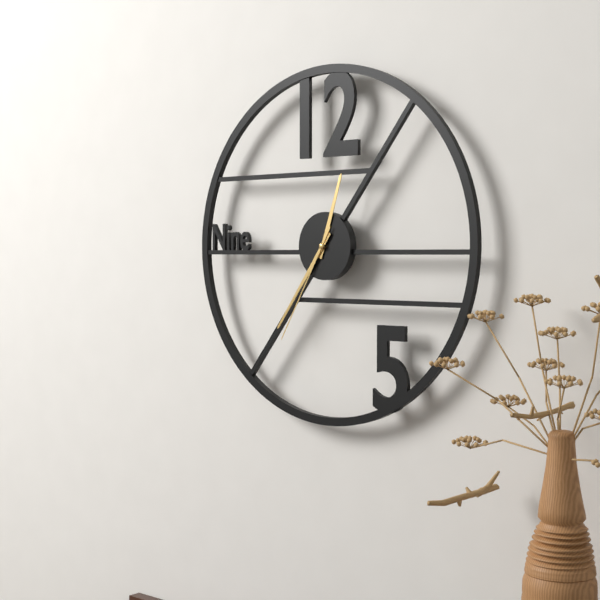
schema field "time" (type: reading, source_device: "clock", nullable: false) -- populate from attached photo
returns 12:36:35
